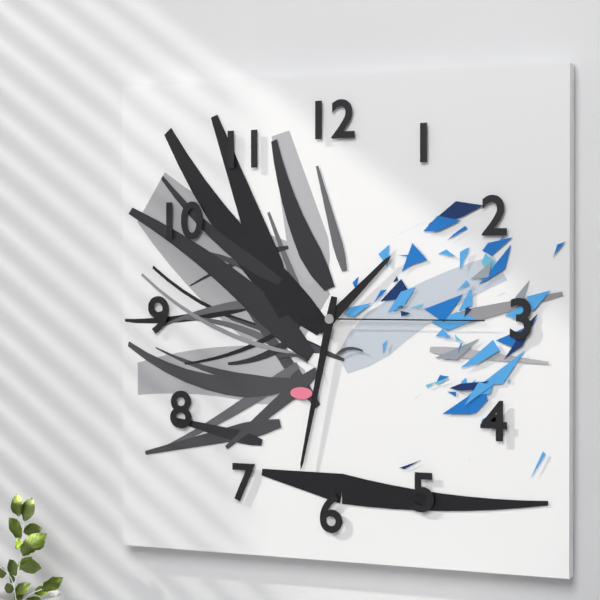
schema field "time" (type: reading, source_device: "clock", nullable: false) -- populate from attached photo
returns 1:32:15
